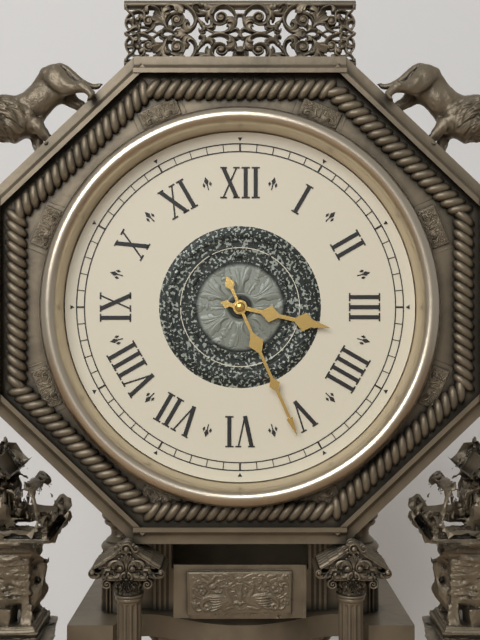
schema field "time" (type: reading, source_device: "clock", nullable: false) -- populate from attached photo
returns 3:26
